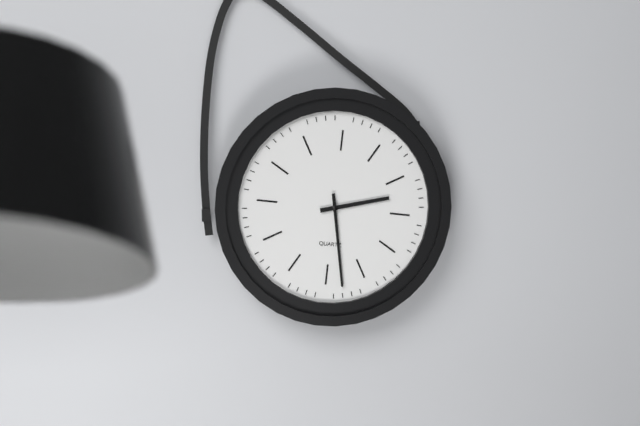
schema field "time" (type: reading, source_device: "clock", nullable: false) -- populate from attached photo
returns 2:28
